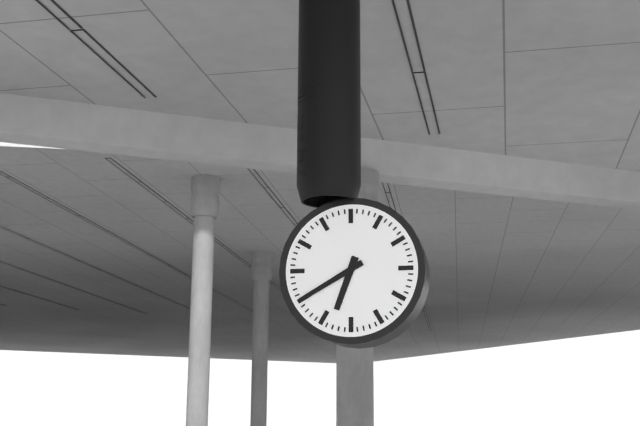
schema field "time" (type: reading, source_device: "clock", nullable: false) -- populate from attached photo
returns 6:40
